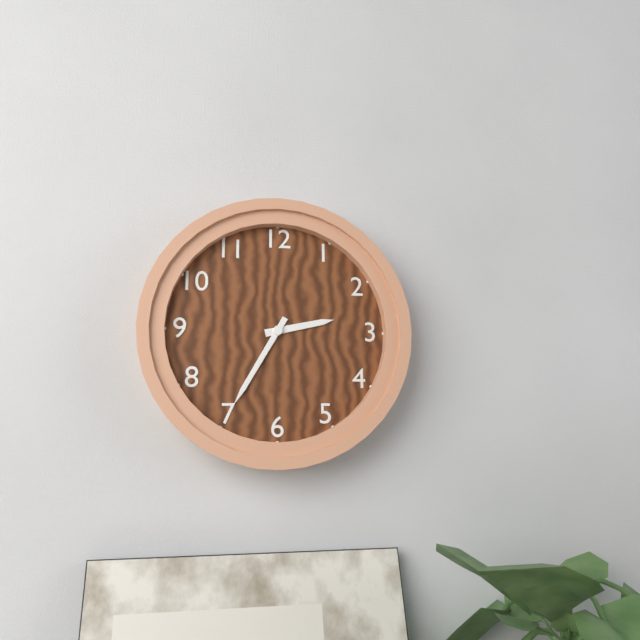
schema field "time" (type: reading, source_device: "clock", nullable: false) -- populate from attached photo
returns 2:35
